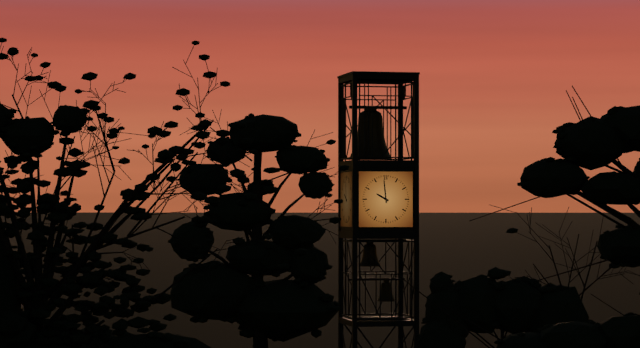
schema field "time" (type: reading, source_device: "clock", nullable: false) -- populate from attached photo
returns 9:59
